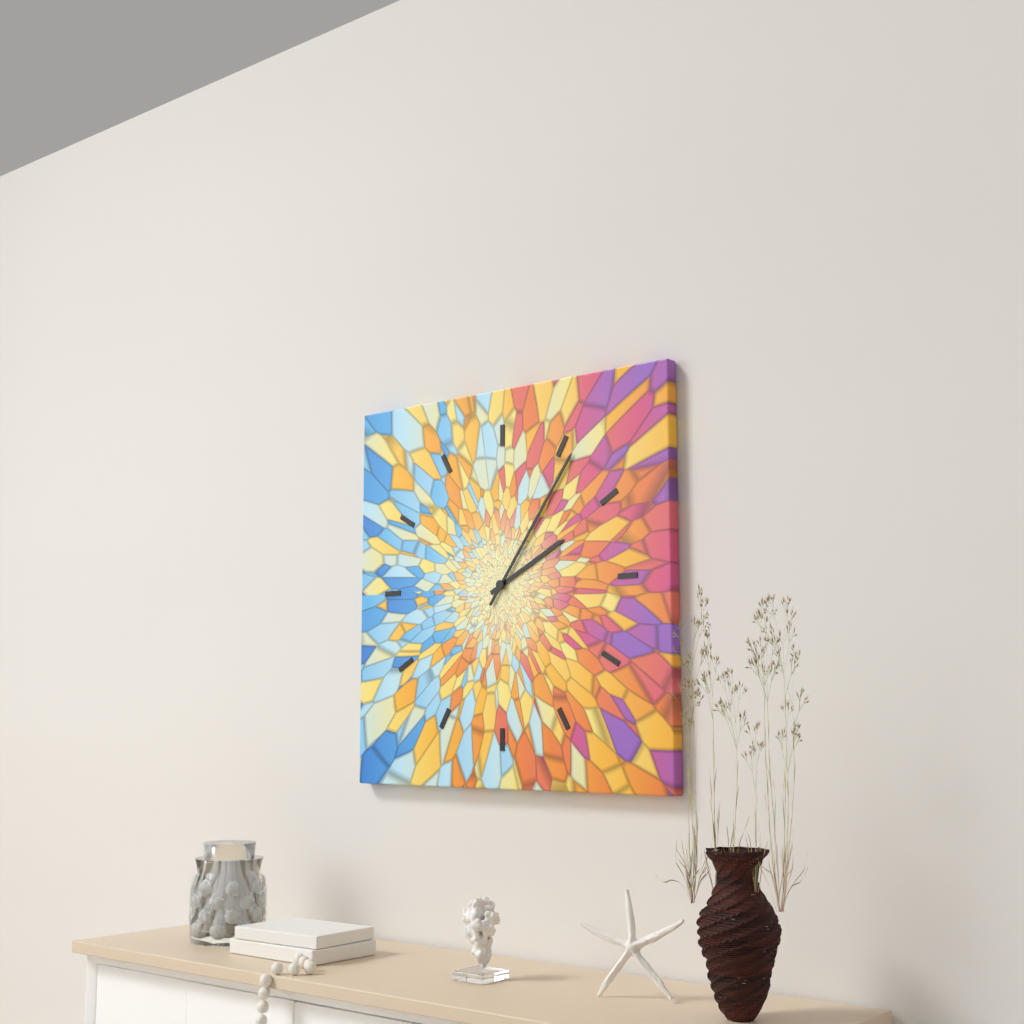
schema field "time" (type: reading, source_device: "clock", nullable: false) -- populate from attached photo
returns 2:06
